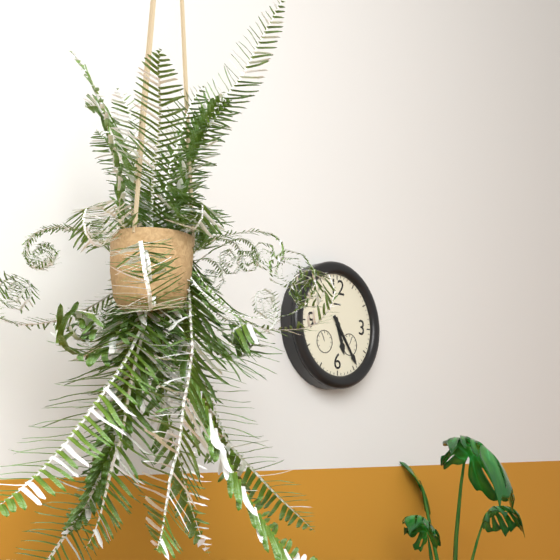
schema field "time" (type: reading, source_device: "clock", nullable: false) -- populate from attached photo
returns 5:24
